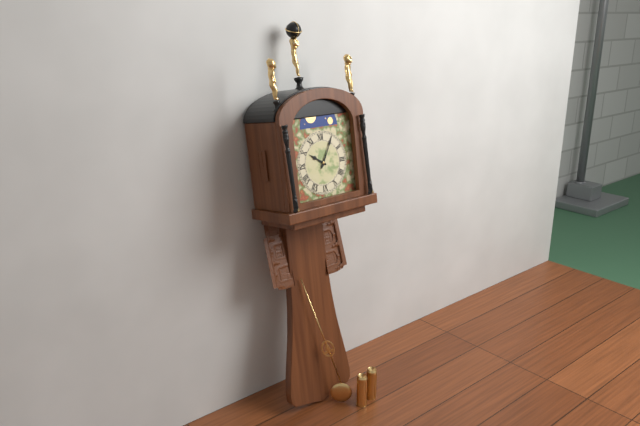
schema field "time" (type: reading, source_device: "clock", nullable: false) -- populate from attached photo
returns 10:05
